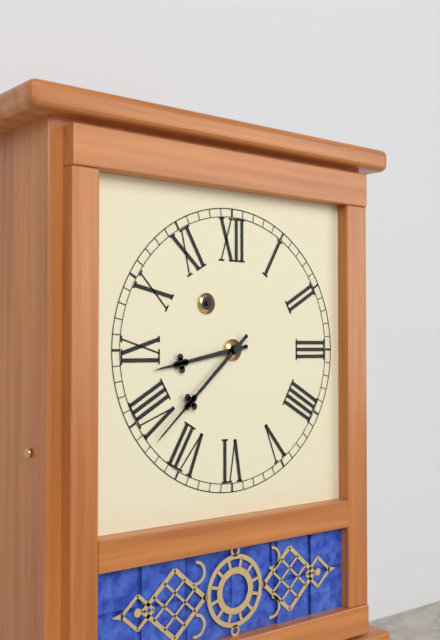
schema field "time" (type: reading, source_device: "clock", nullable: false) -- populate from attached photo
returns 8:38
